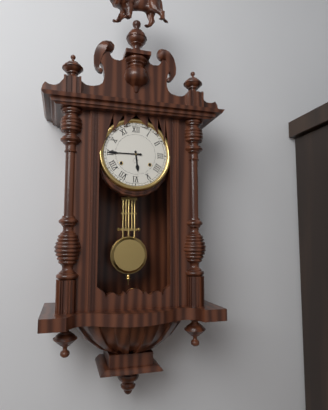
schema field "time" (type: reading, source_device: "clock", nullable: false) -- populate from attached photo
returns 5:45
